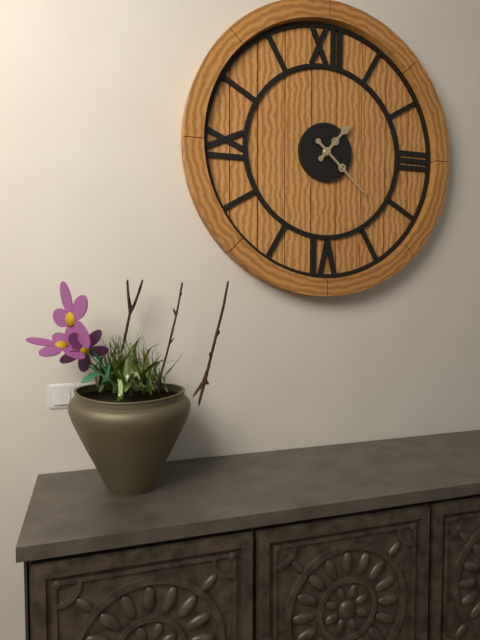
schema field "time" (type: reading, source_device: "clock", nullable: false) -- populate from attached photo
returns 1:22
